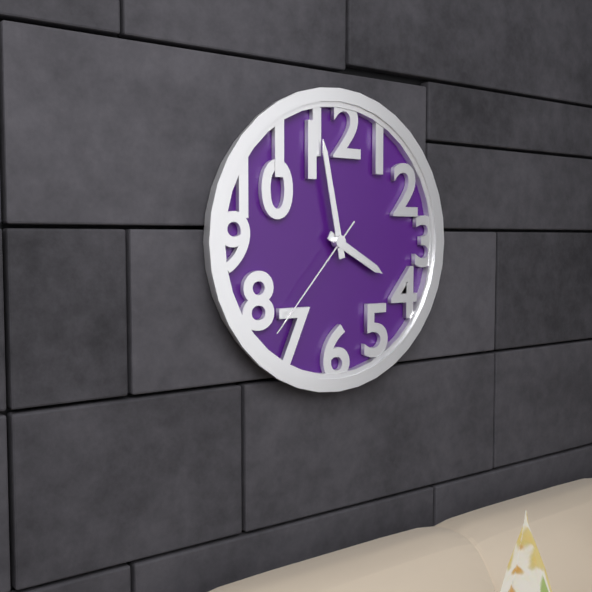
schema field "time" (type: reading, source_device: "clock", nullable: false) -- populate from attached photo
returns 3:58:37
